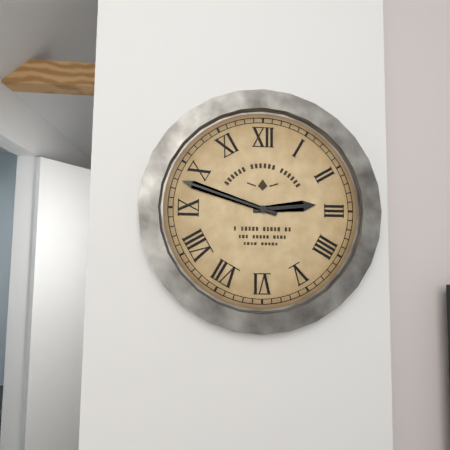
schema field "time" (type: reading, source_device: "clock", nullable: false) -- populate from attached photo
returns 2:48
